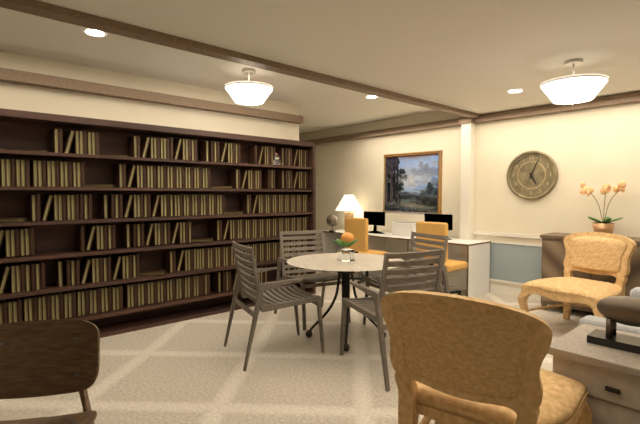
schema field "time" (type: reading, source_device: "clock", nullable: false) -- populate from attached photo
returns 5:04
